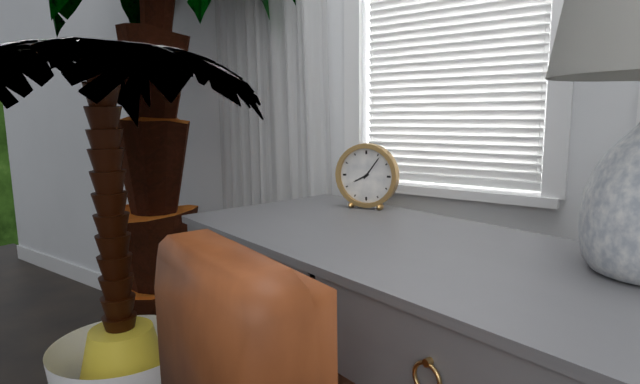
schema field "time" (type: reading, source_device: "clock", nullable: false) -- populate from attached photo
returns 8:06
